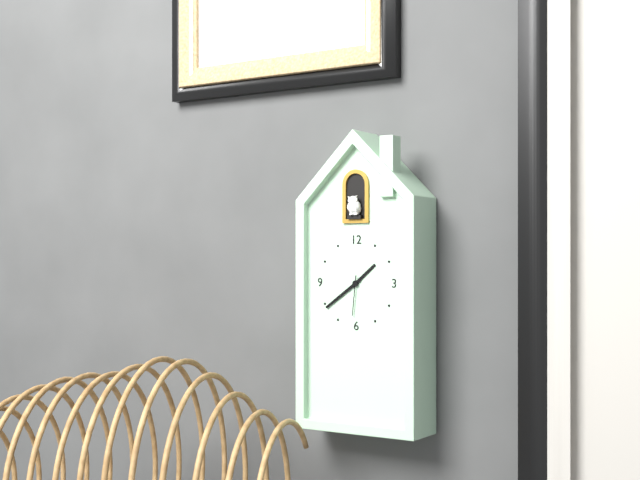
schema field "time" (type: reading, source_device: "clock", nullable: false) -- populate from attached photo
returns 1:39
